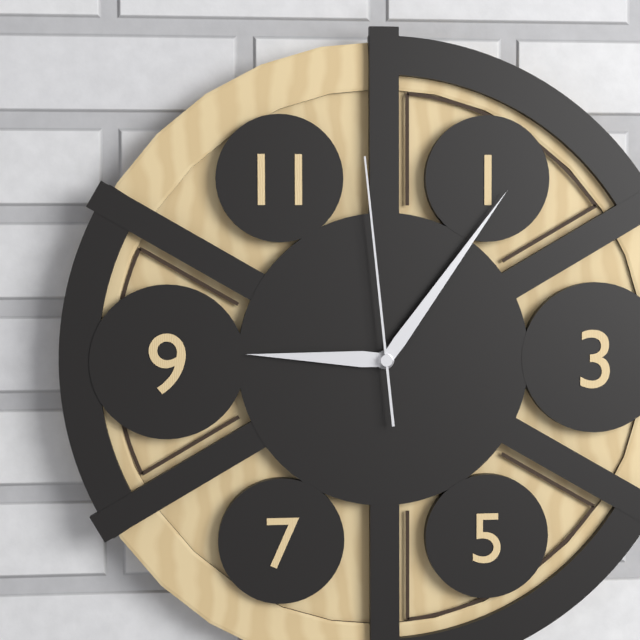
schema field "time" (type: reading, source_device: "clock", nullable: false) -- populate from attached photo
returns 9:06:59
